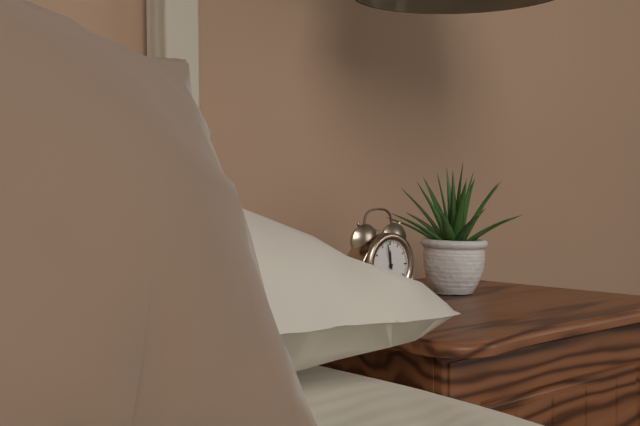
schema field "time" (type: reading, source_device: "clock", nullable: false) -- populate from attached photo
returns 11:58
